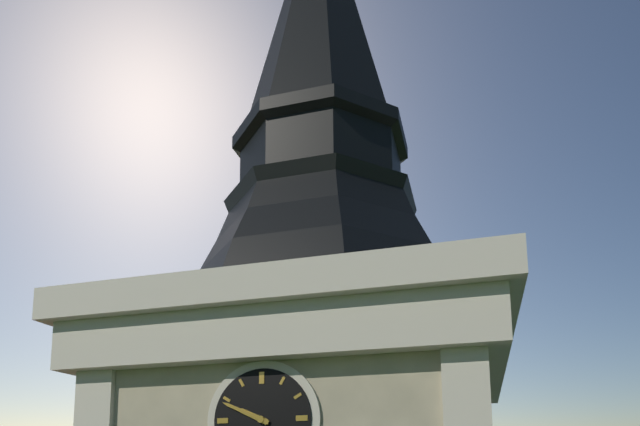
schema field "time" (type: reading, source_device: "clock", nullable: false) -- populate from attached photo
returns 9:49
